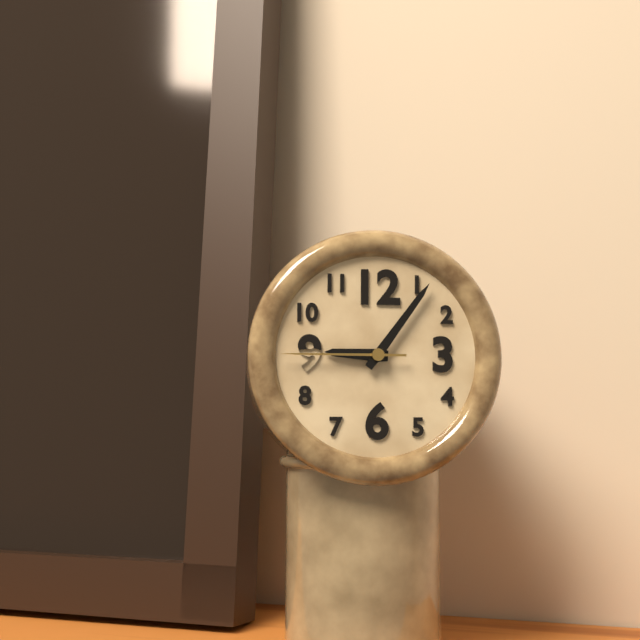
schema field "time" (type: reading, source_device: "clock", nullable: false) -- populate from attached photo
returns 9:06:45
